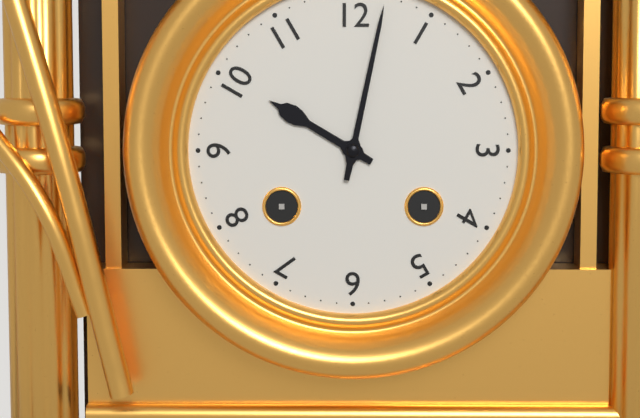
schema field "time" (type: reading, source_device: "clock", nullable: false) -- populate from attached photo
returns 10:02
